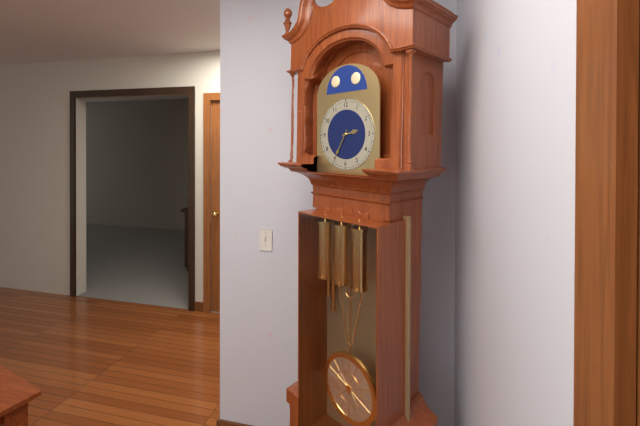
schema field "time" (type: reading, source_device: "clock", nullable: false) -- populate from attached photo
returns 2:35
